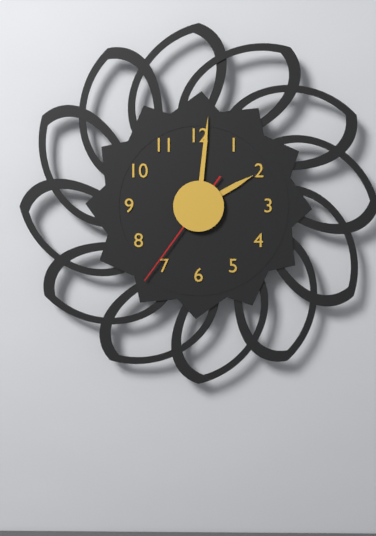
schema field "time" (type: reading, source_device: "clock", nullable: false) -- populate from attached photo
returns 2:01:36
